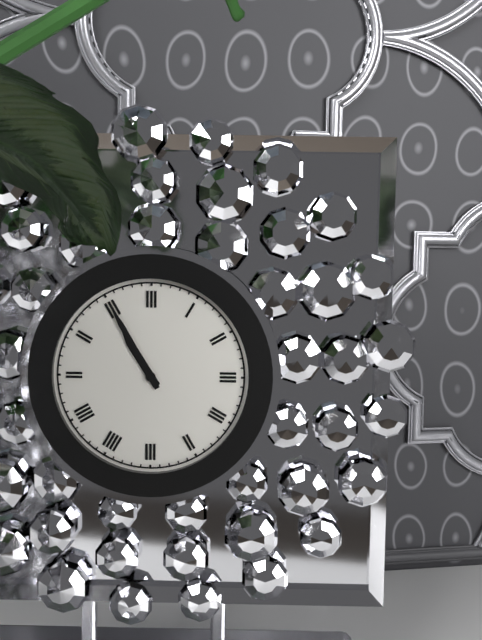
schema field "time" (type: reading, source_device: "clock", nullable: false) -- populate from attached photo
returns 10:55
